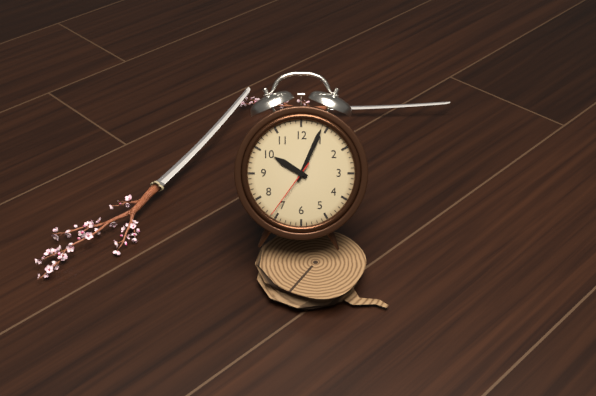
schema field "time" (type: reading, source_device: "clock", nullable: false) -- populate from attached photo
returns 10:04:36
